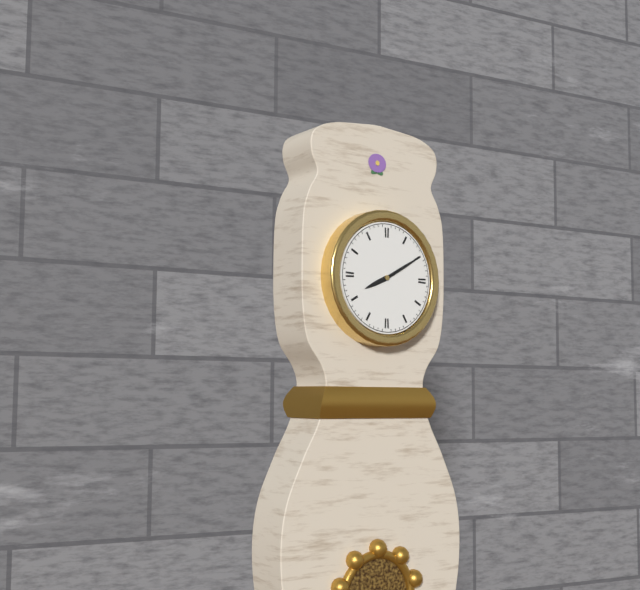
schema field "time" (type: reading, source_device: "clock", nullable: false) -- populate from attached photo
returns 8:10
